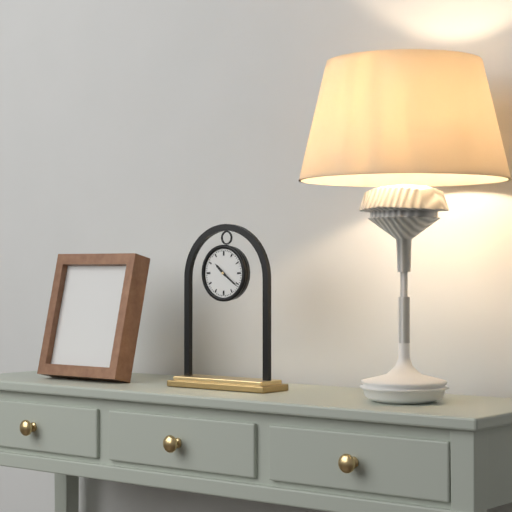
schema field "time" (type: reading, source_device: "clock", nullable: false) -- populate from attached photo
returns 10:21
